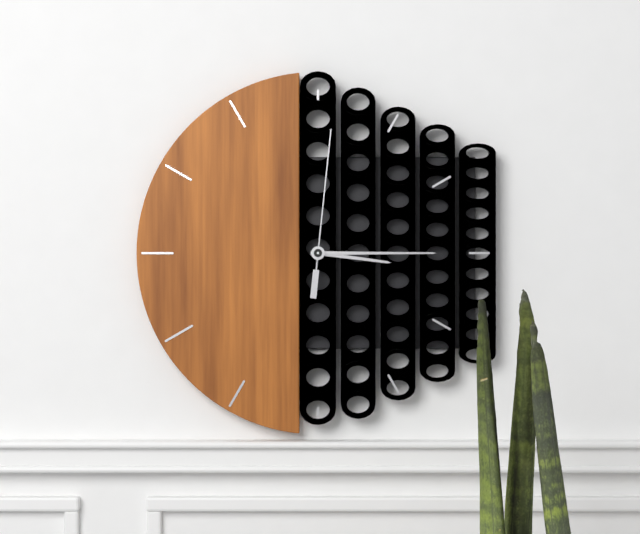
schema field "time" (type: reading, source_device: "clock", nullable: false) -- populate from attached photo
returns 3:15:01
